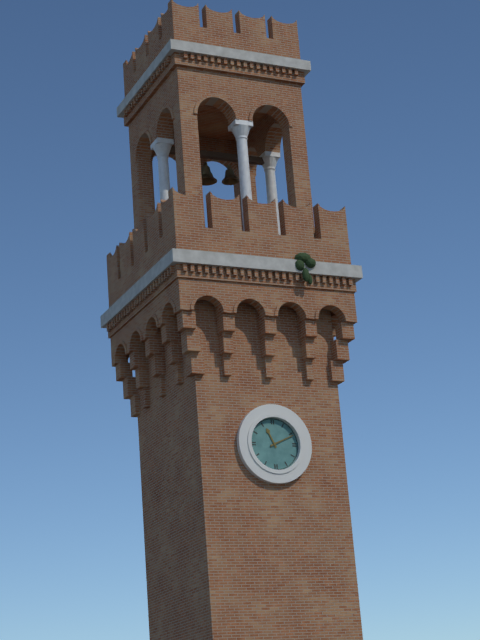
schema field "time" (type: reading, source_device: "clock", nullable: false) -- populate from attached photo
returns 11:11
